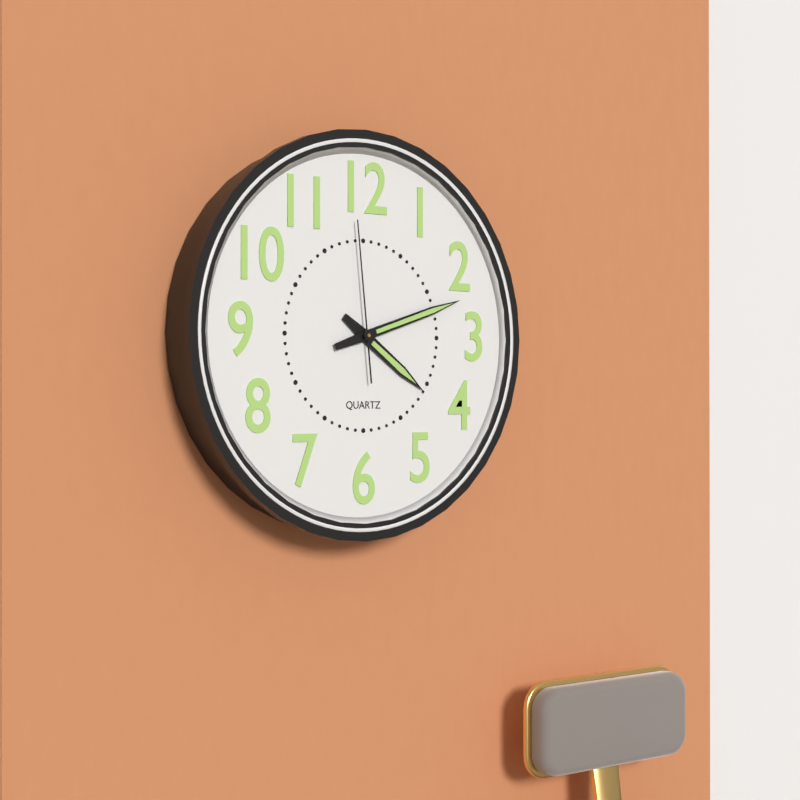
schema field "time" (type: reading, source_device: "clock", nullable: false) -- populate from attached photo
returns 4:12:59
